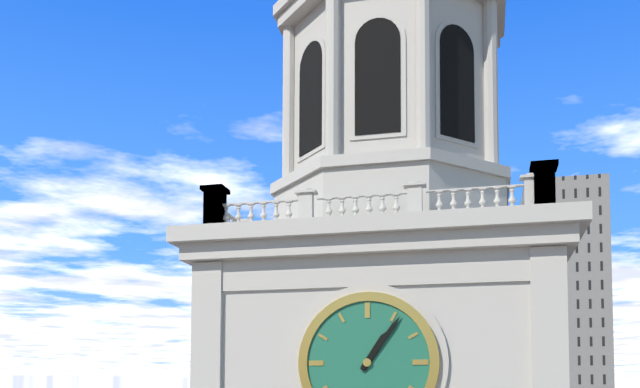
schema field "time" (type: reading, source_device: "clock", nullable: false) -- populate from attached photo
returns 1:06
